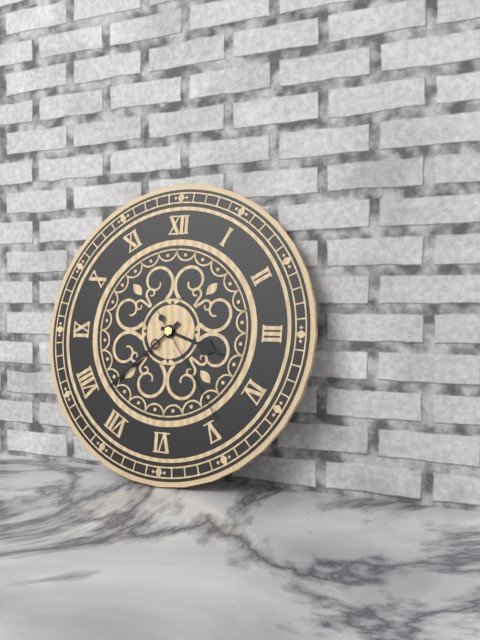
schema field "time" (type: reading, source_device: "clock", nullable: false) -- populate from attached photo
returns 3:38:24
